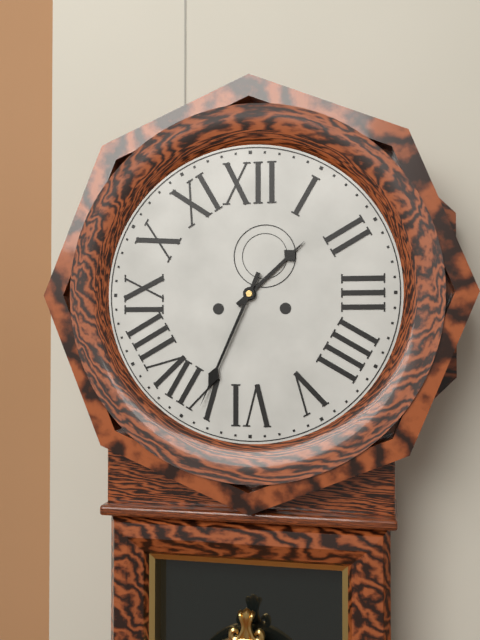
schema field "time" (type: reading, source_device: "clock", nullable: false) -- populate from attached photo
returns 1:34
